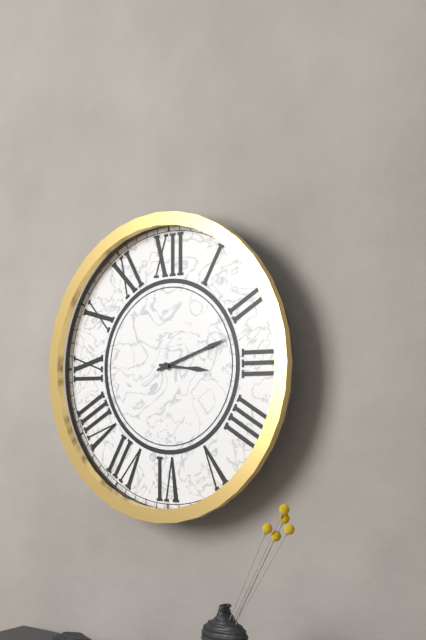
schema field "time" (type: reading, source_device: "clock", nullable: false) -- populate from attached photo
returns 3:12
